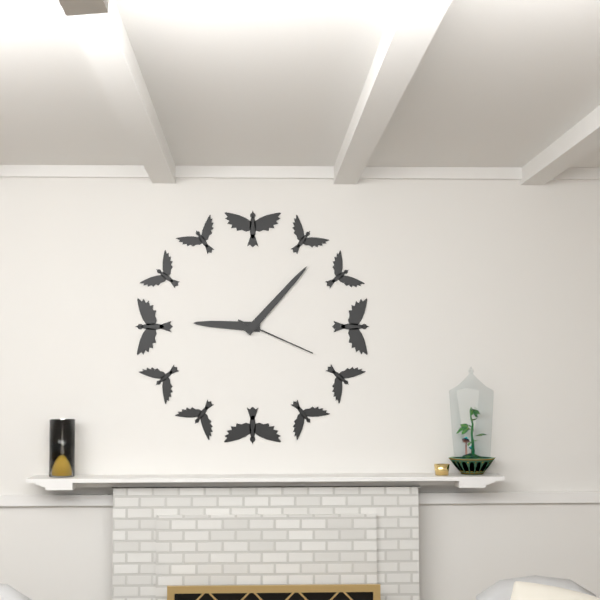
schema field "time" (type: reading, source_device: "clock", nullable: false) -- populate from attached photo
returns 9:07:19
